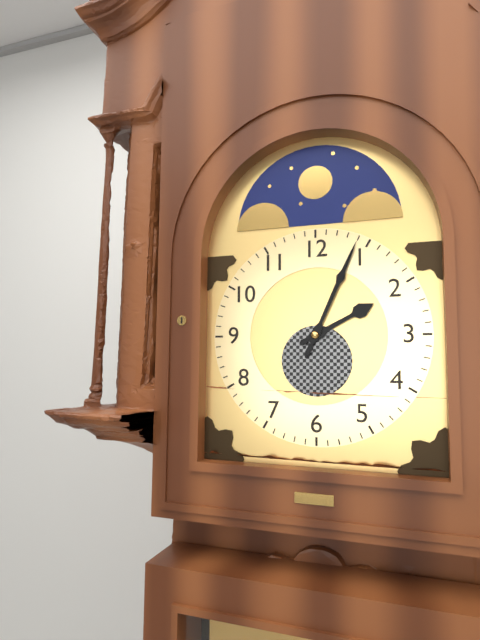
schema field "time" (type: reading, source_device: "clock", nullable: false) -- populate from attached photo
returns 2:04
